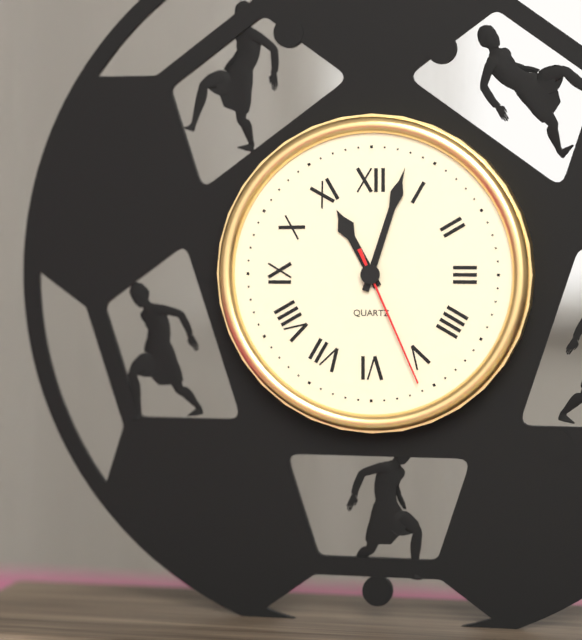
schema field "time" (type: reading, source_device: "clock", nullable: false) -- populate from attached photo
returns 11:03:26
